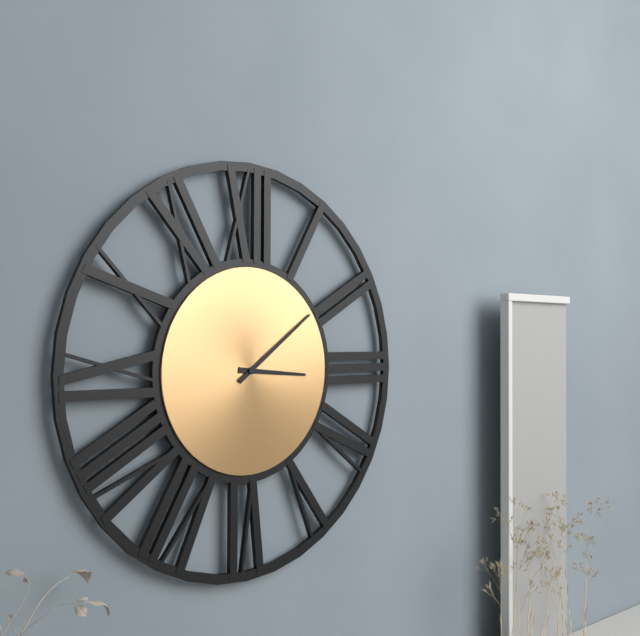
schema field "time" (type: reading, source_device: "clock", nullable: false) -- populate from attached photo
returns 3:09
